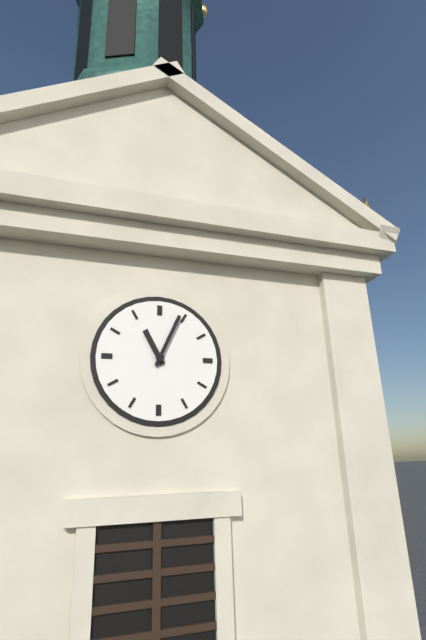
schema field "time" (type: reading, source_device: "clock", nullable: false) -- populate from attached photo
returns 11:04
